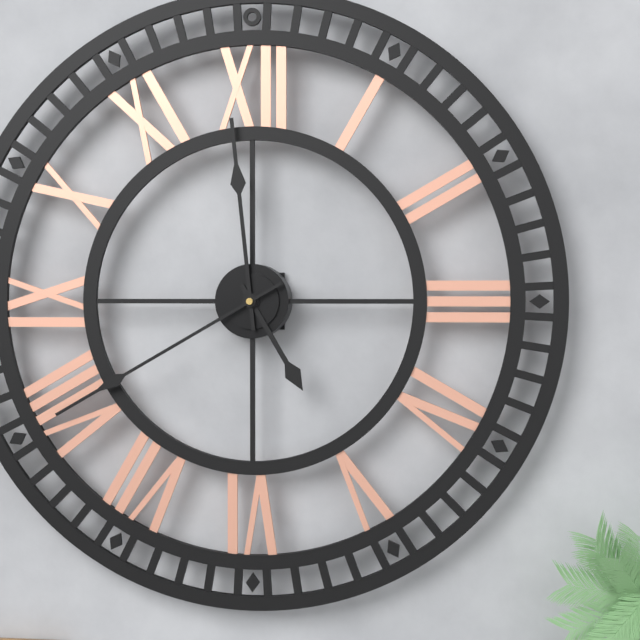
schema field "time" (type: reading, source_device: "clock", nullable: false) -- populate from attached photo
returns 4:59:40
